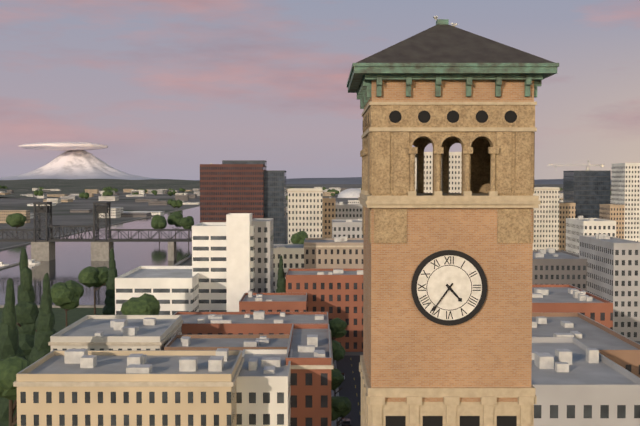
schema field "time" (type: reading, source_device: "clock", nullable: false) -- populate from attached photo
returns 4:36
